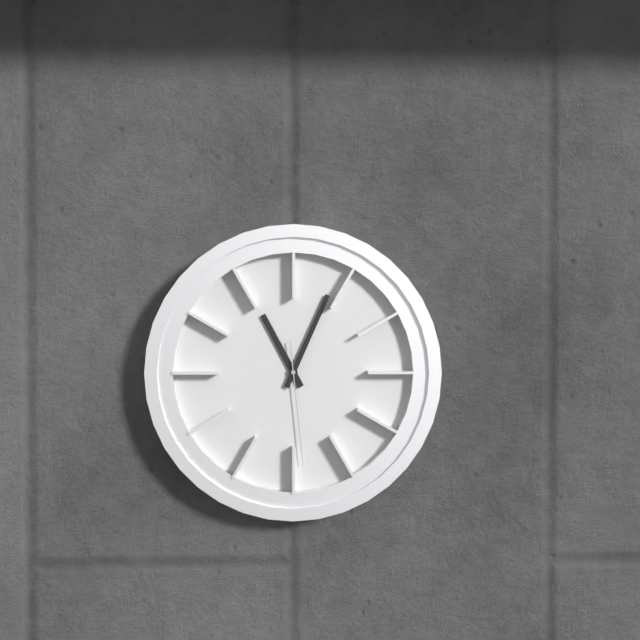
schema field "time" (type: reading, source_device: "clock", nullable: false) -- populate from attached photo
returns 11:04:29
